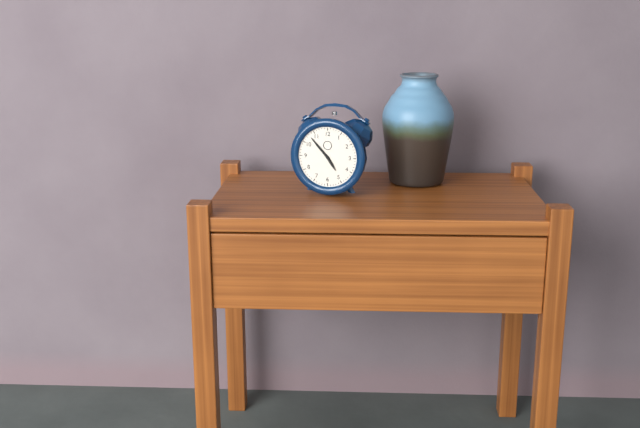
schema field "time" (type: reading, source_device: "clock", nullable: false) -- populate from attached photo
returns 4:53
